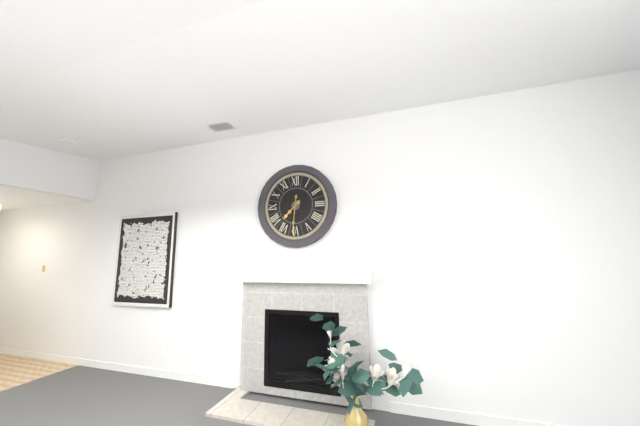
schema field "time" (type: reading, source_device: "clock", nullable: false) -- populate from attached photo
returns 7:31
